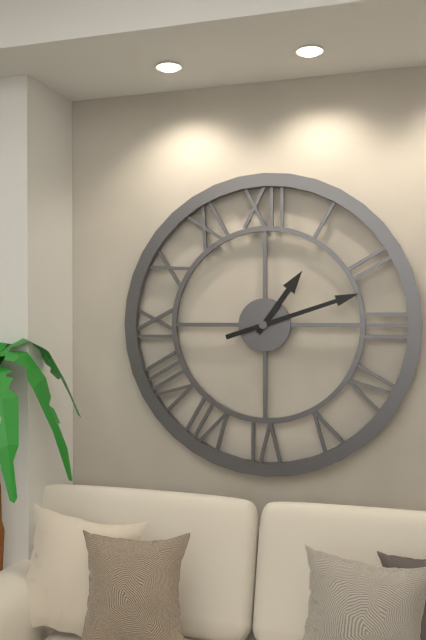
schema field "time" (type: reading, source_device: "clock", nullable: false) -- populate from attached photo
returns 1:12
